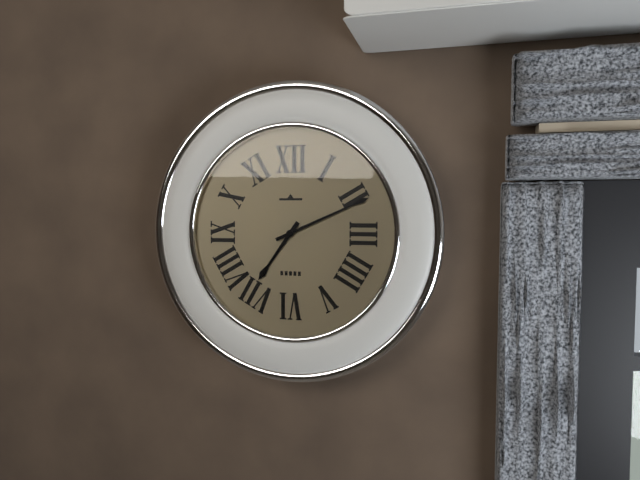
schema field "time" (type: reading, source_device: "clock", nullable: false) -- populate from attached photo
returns 7:11
